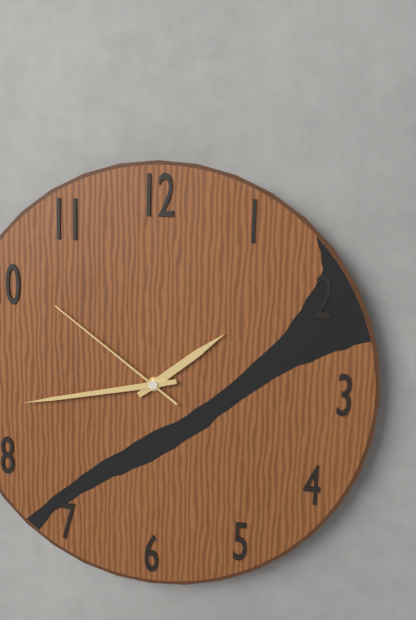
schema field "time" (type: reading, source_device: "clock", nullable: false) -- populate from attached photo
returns 1:43:51
